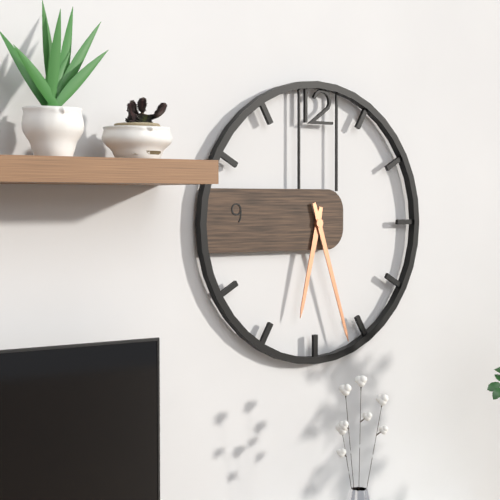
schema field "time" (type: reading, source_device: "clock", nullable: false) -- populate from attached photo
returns 6:27
